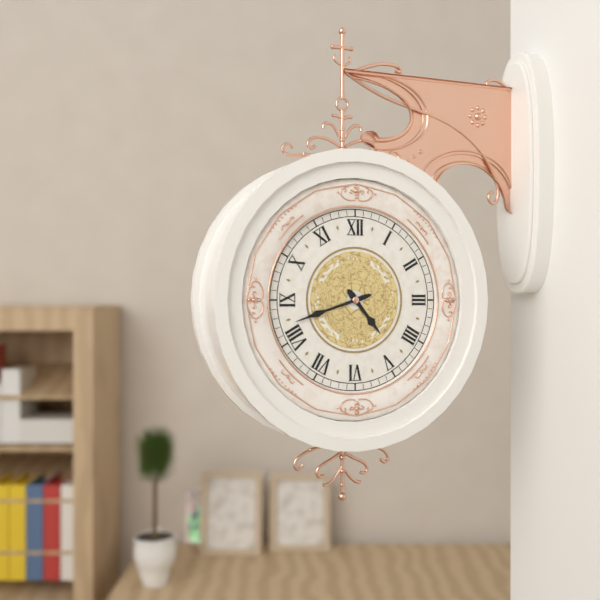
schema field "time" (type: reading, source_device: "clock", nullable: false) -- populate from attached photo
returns 4:42
